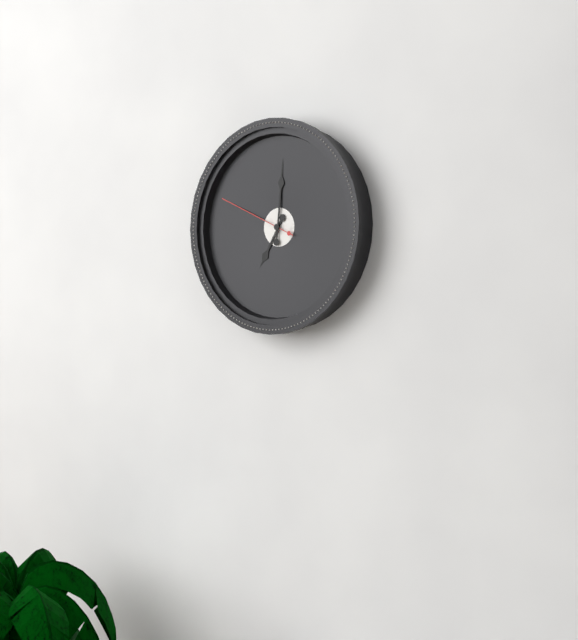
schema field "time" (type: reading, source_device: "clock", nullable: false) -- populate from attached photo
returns 7:01:49
